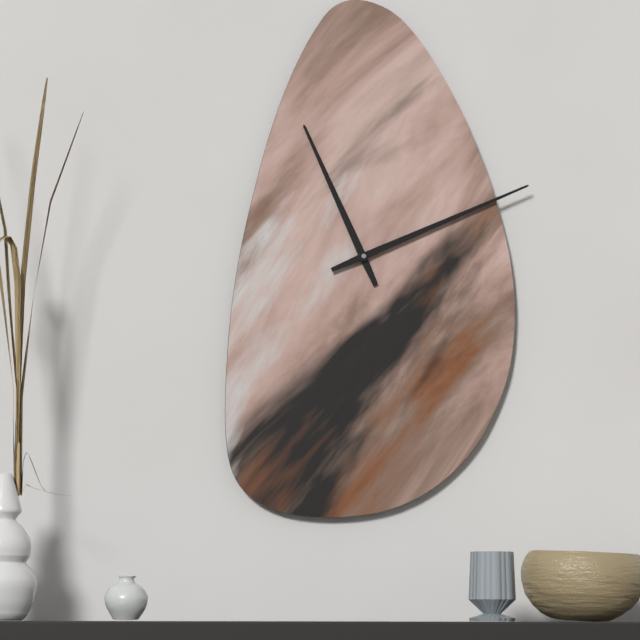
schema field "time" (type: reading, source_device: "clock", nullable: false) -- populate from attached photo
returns 11:11
